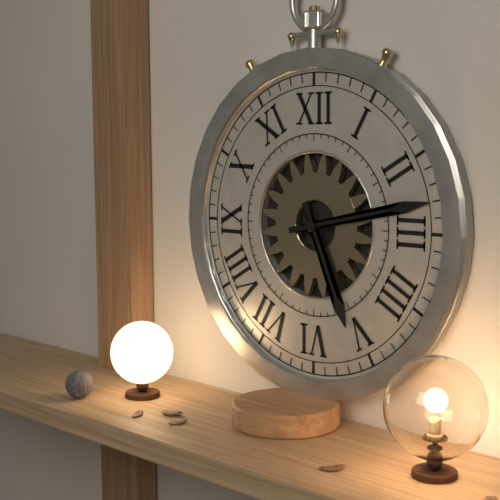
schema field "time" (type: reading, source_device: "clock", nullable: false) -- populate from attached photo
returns 5:13
